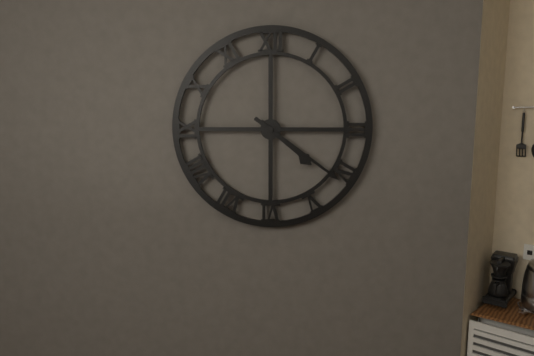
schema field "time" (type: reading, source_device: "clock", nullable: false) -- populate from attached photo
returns 4:21
